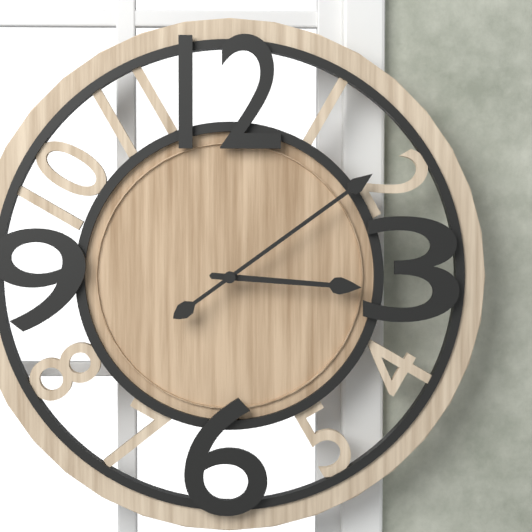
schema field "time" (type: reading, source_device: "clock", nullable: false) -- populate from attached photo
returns 3:09
